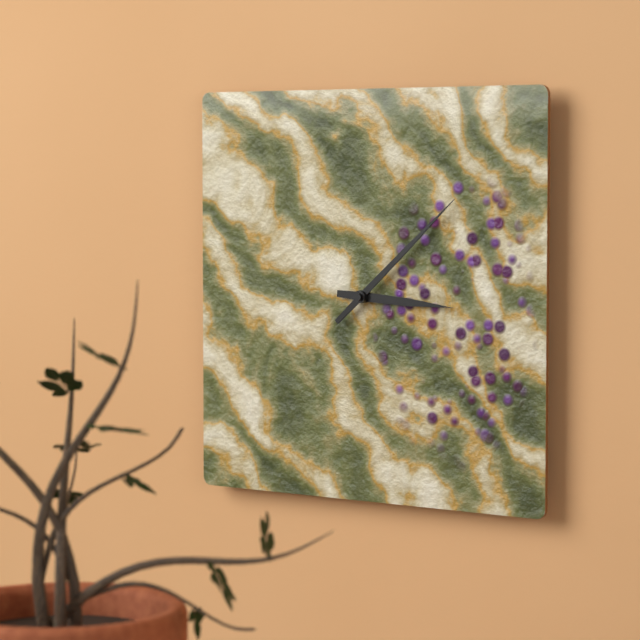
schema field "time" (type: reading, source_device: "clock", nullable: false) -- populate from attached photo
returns 3:08
